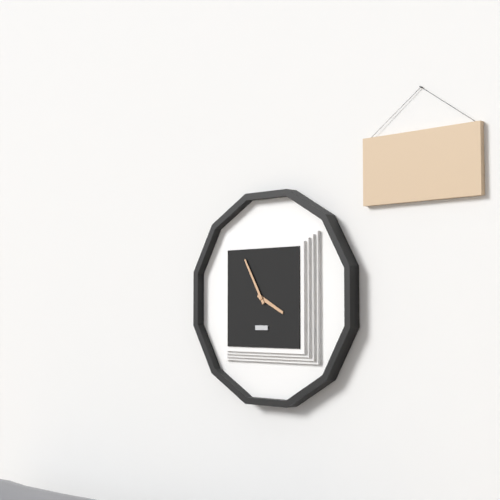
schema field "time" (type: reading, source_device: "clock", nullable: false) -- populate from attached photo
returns 3:55
